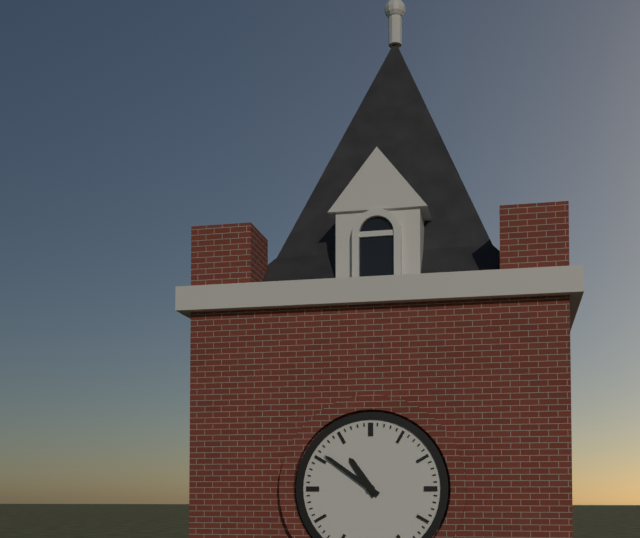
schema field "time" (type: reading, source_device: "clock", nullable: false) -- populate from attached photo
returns 10:51
